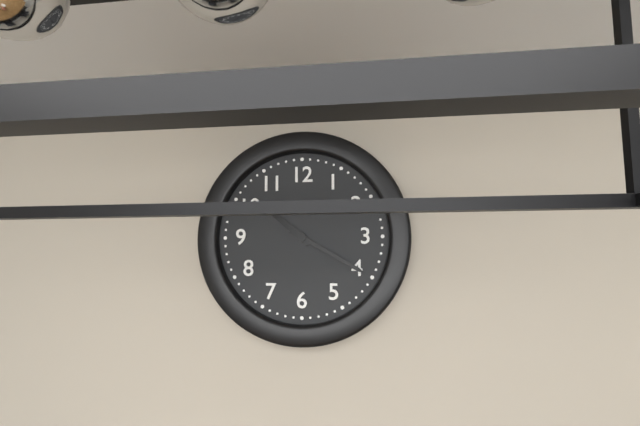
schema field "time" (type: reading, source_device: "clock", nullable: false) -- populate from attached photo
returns 10:20
